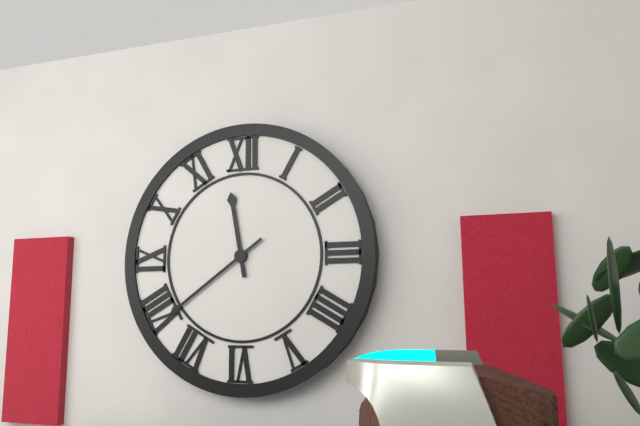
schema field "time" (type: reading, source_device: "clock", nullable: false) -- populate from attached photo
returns 11:39
